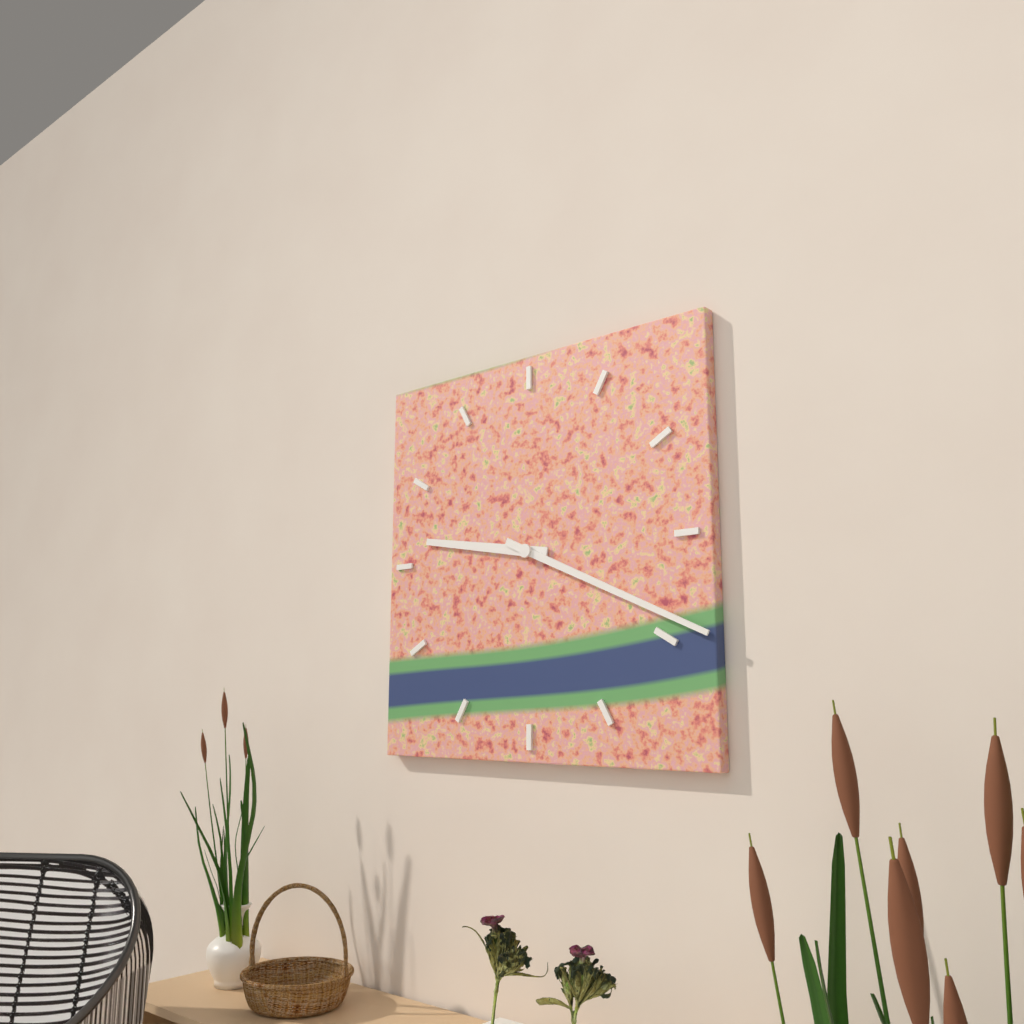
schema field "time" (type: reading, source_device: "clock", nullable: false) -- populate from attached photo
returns 9:19
